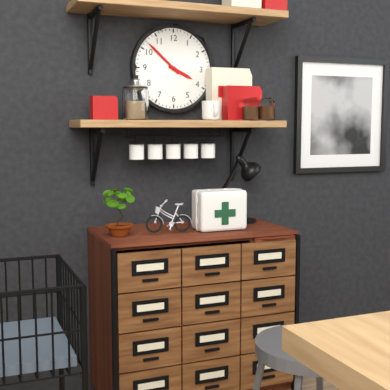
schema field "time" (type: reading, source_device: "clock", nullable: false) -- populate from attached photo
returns 3:52
